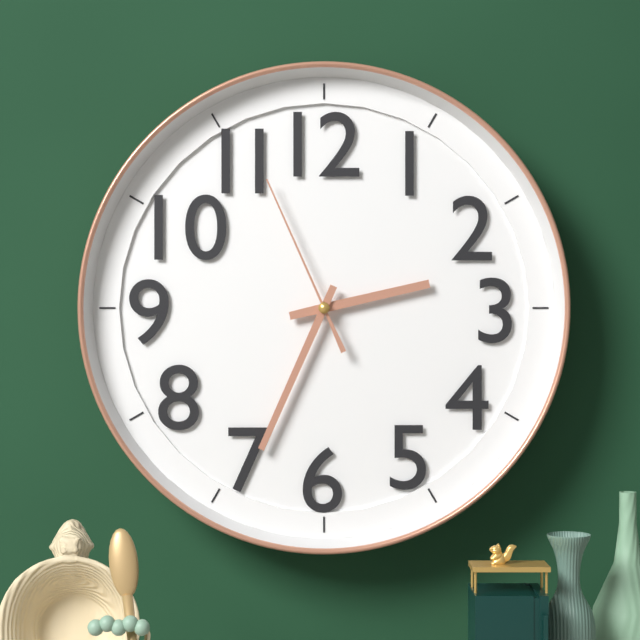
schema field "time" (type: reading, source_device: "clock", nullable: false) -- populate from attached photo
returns 2:34:56
